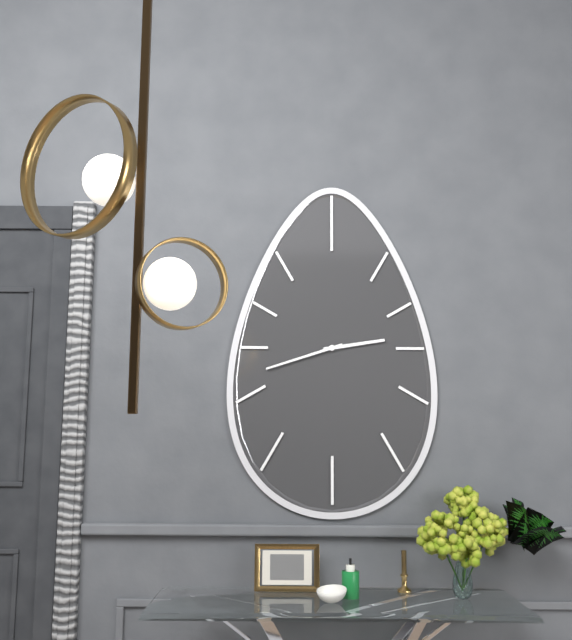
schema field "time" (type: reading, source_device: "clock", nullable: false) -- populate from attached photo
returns 2:42
